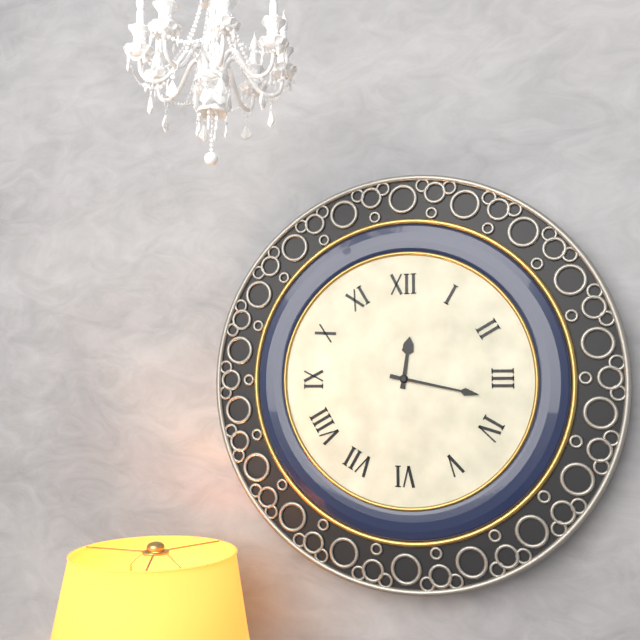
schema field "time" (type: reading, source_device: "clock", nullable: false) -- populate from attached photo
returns 12:17
